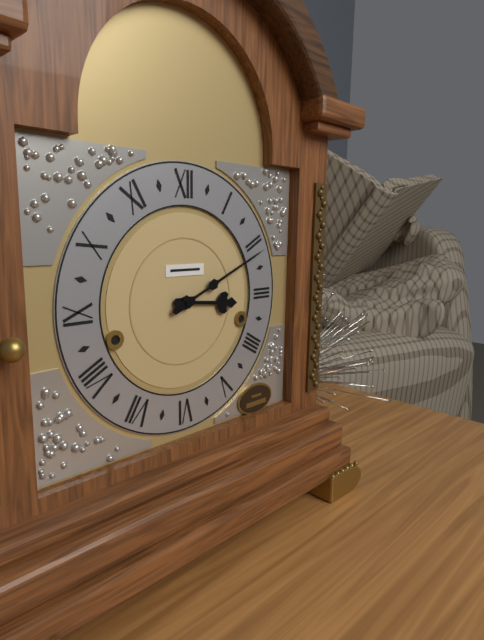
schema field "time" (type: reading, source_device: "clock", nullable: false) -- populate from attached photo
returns 3:11
